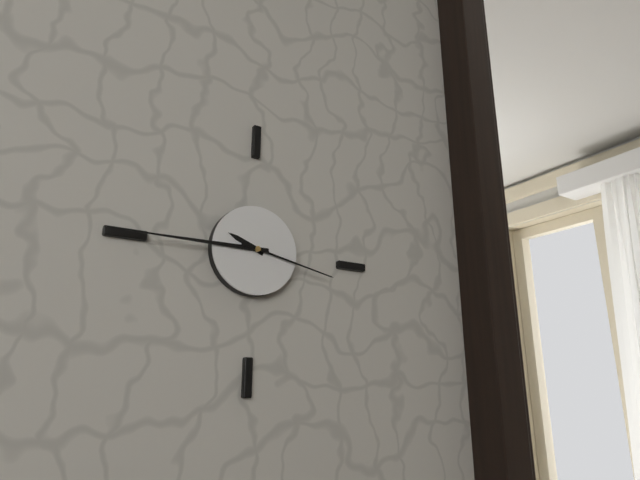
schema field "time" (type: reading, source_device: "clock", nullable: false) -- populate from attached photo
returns 9:45:17
